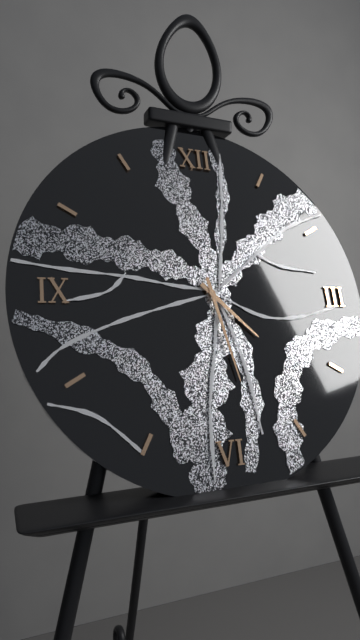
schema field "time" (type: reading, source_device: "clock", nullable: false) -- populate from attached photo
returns 4:28
